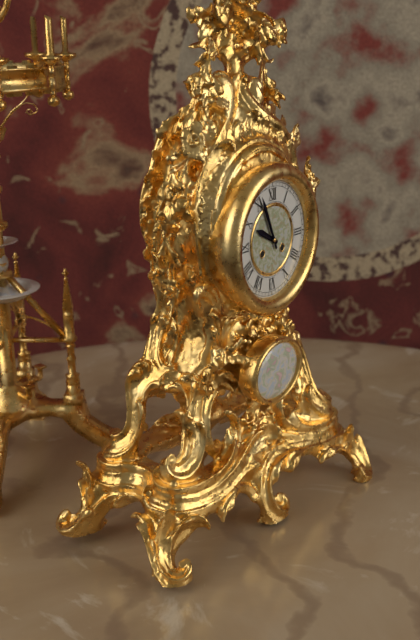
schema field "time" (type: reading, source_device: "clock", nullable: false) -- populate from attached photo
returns 9:56
